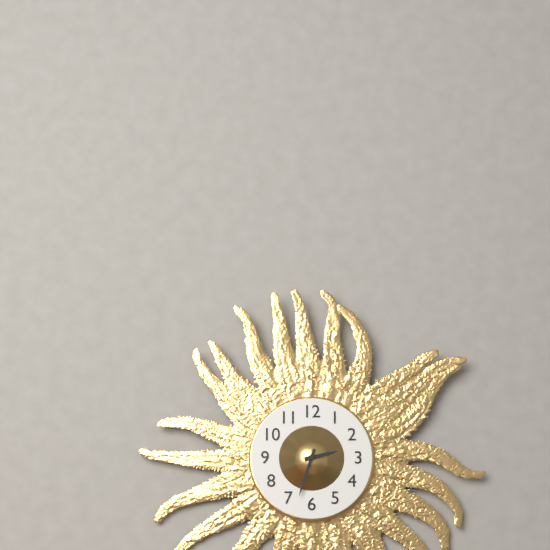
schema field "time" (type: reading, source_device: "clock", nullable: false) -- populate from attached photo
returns 2:33
